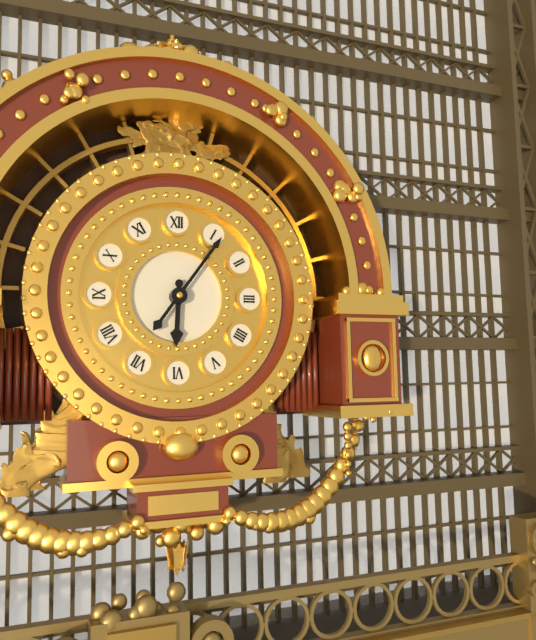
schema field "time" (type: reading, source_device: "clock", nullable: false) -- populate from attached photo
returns 6:06
